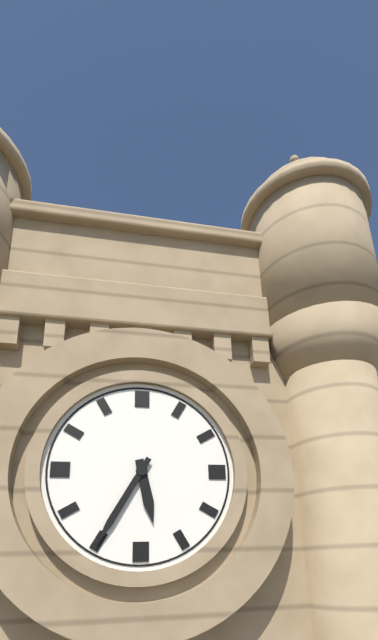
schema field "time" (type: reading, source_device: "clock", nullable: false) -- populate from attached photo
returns 5:35
